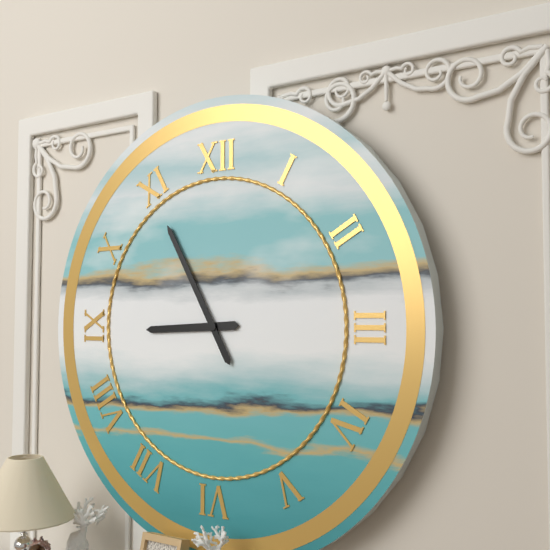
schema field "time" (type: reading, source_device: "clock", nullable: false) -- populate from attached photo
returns 8:55
